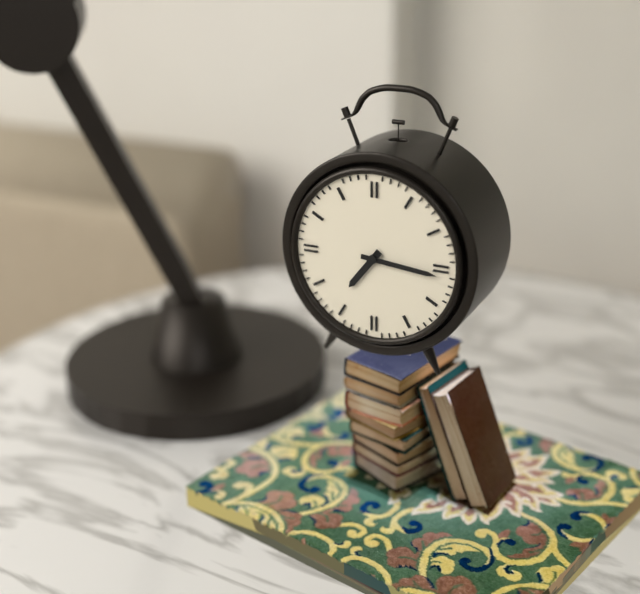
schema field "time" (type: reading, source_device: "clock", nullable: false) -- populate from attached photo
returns 7:16
